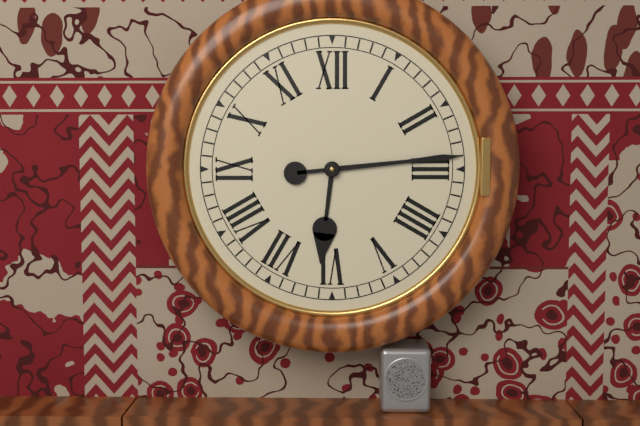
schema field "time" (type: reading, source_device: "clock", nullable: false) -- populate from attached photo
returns 6:14
